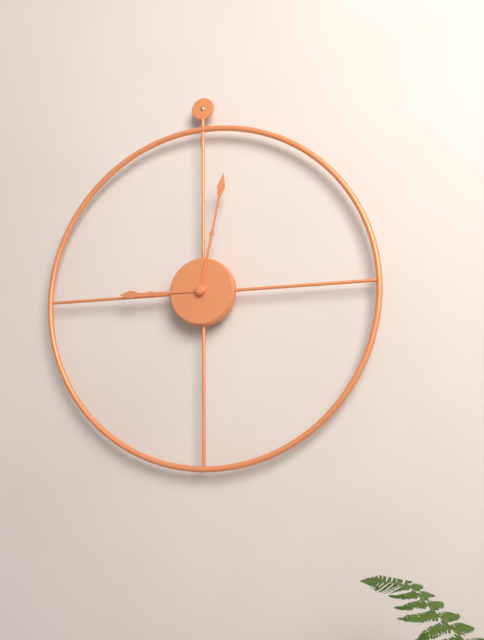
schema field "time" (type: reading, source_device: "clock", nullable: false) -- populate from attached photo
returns 9:02
